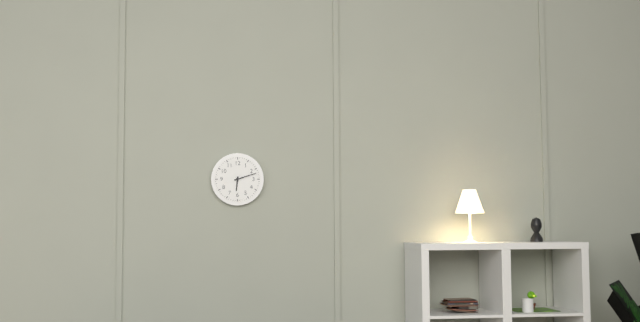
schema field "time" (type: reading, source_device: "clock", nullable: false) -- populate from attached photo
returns 6:12
